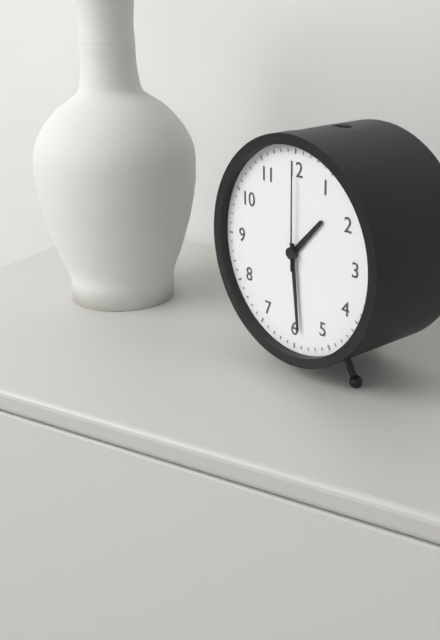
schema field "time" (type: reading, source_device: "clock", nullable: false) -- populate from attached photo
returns 1:29:00
